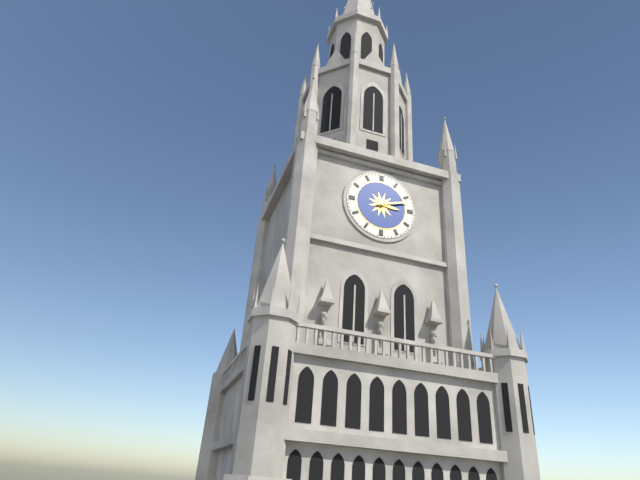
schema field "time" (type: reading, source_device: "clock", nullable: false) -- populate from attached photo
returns 3:12
